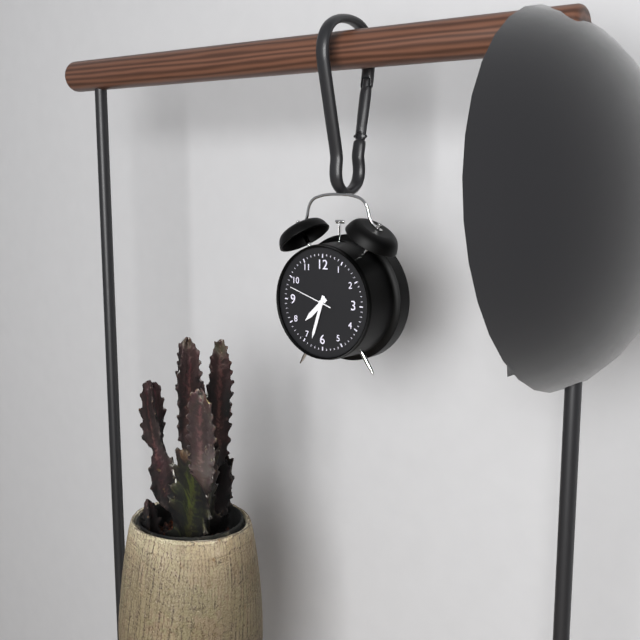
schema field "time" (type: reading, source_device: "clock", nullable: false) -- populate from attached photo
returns 7:33
